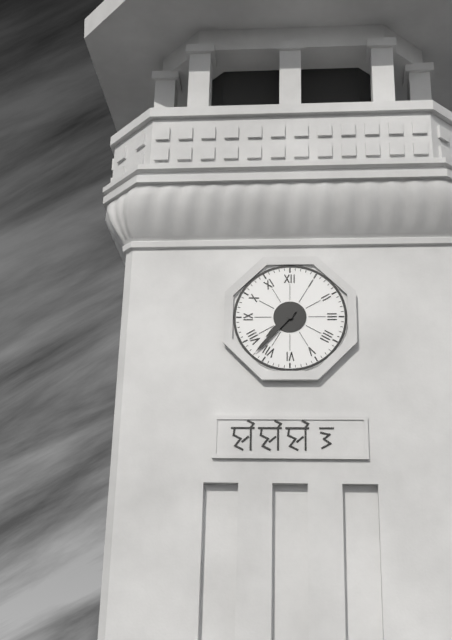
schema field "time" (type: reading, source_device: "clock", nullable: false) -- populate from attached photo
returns 7:37
